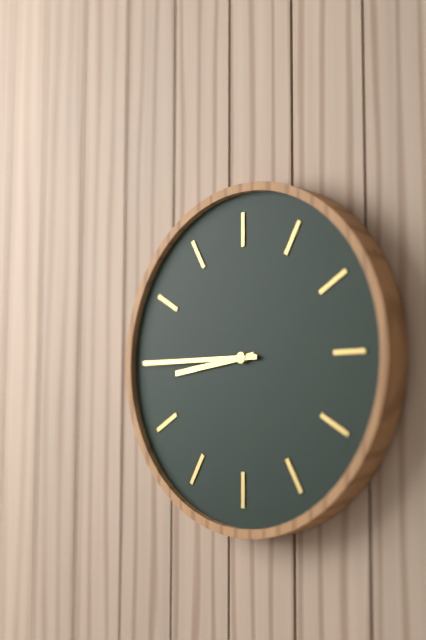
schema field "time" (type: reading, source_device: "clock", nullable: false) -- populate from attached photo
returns 8:45
